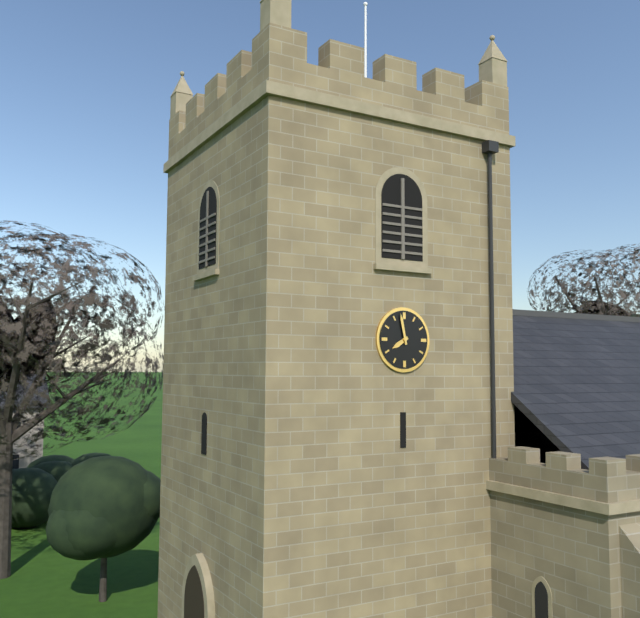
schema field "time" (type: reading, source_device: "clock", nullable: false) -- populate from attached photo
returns 7:58
